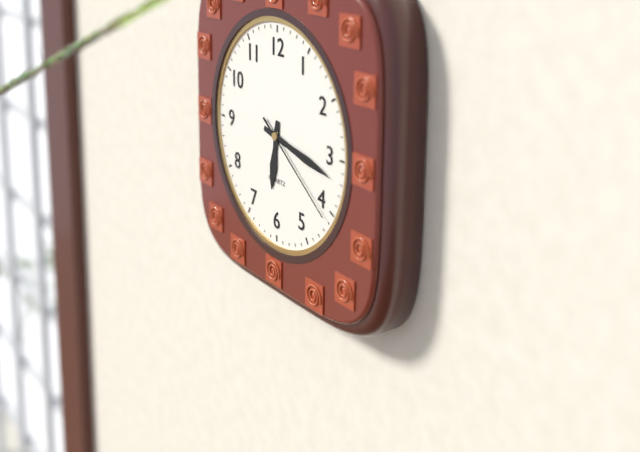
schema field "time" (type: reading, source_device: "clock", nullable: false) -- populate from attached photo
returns 6:17:21
